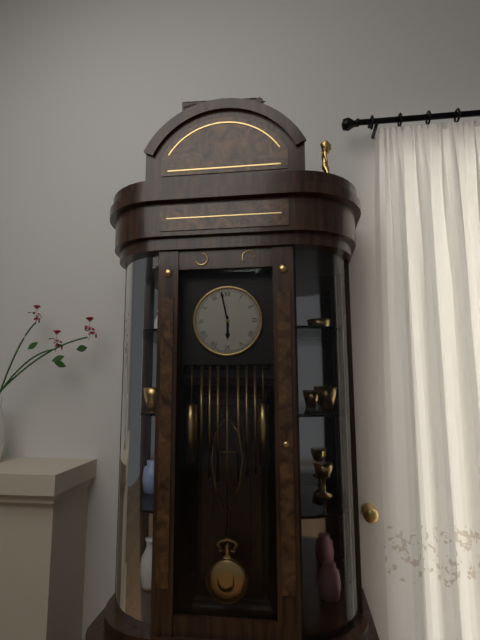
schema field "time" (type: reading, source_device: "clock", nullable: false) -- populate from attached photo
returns 5:58
